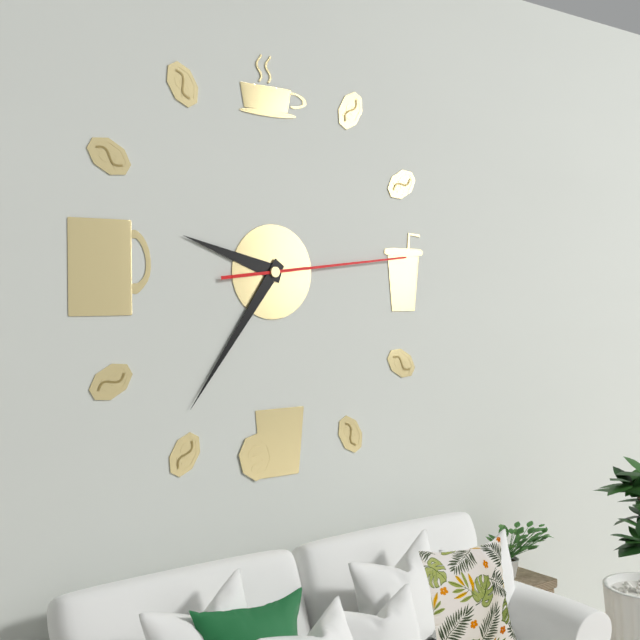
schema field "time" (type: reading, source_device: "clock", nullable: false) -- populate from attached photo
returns 9:36:14
